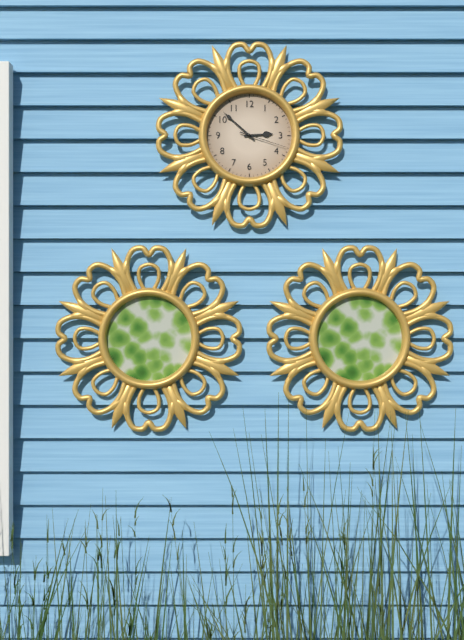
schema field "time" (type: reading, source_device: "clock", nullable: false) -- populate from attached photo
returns 2:52
